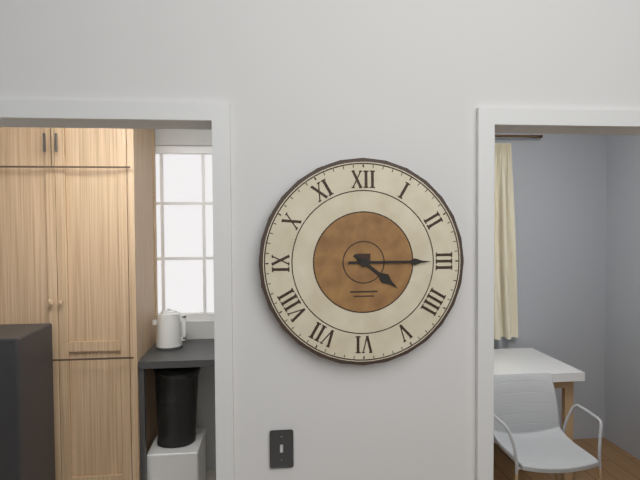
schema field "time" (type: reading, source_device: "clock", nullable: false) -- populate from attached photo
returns 4:15
